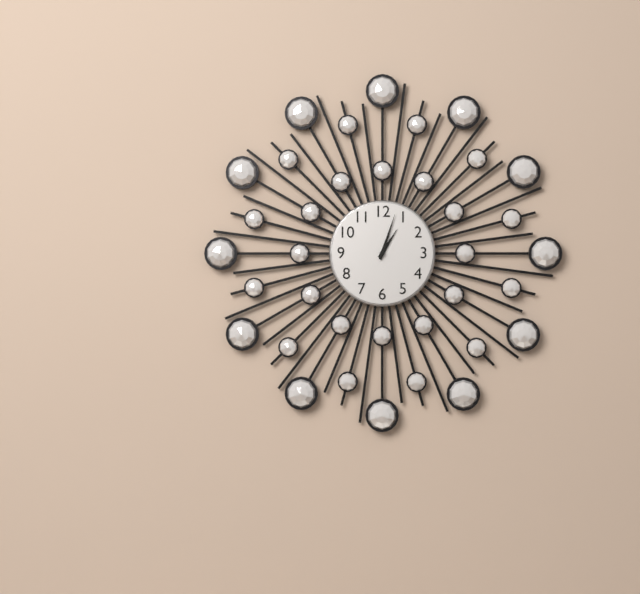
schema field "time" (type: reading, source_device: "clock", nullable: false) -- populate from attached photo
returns 1:03
